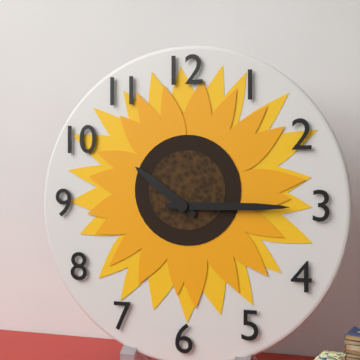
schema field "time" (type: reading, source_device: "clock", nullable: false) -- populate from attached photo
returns 10:15
